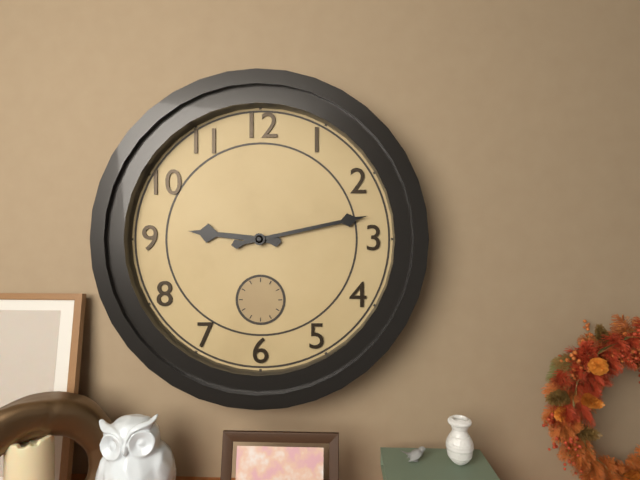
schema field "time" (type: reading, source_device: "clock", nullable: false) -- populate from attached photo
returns 9:13
